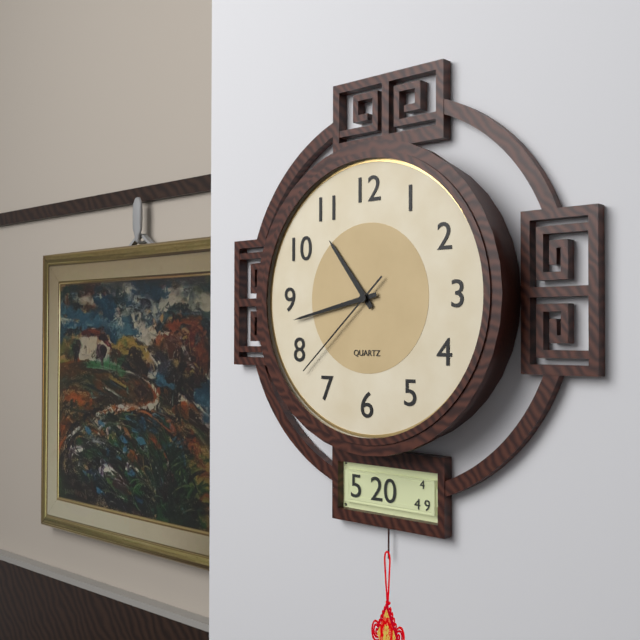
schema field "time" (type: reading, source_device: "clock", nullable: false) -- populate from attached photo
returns 10:43:38
